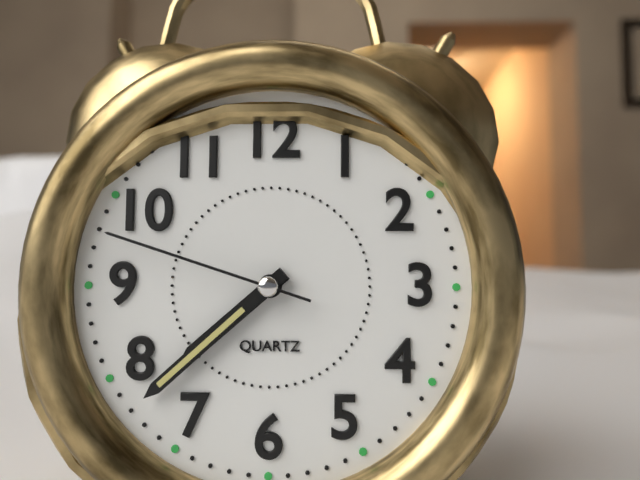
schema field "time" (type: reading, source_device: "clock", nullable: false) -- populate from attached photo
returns 7:38:48
